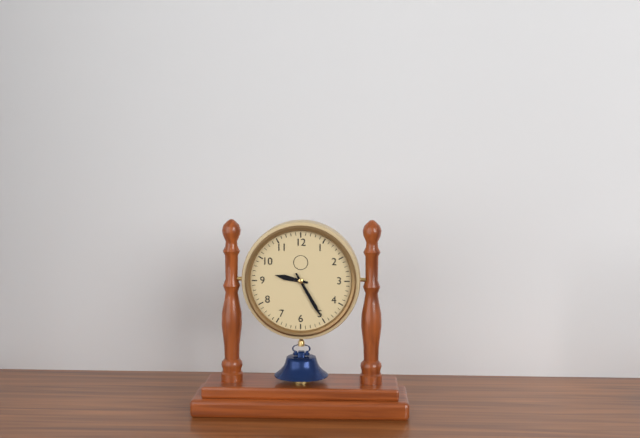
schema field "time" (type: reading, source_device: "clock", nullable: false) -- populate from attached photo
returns 9:25
